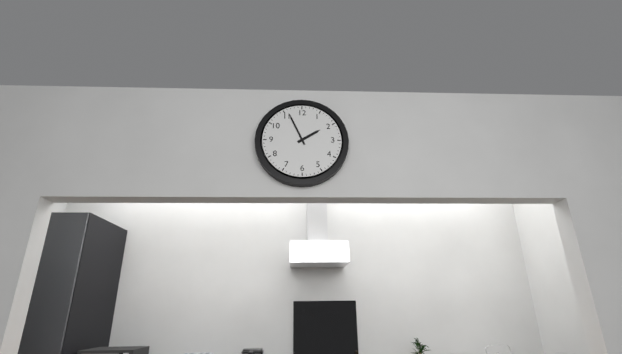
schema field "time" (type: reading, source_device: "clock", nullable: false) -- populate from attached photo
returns 1:56
